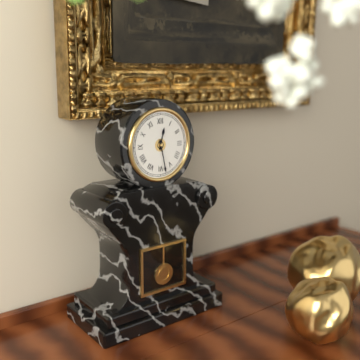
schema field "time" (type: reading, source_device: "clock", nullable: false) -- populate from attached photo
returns 12:28
